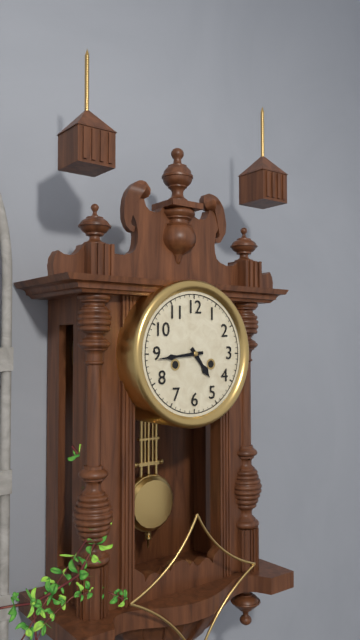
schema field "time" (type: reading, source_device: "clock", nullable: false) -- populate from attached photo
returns 4:44
